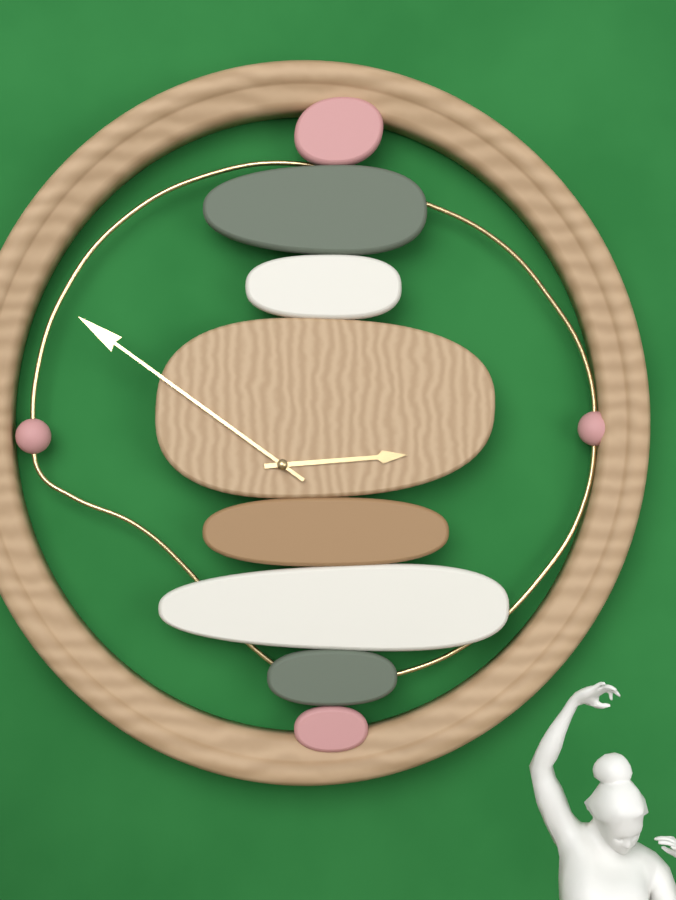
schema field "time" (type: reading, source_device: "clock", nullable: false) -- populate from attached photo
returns 2:51
